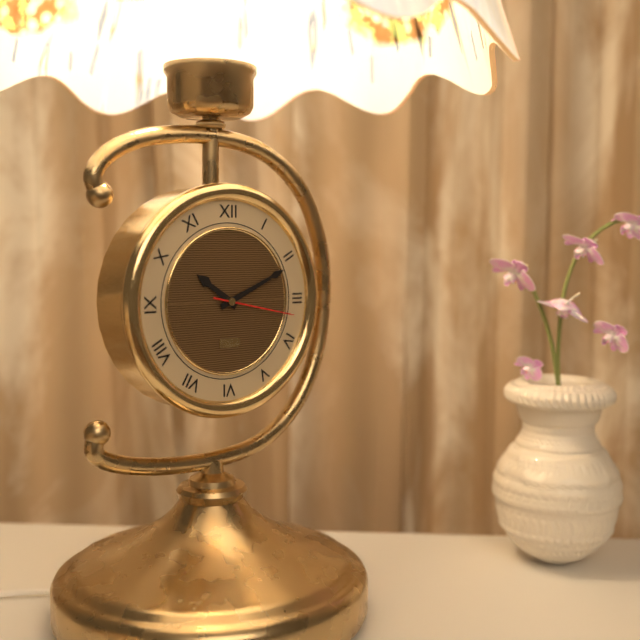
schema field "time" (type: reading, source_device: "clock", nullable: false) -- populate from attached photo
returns 10:11:17
